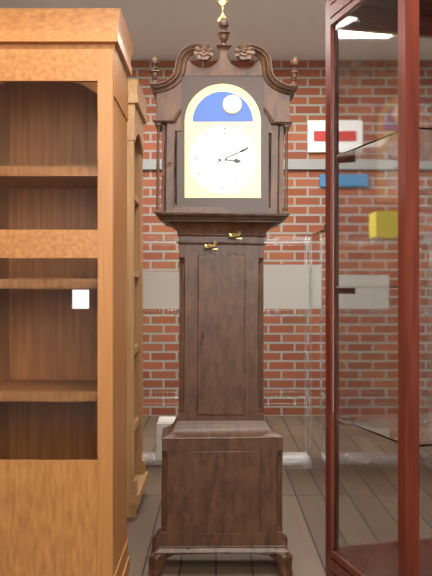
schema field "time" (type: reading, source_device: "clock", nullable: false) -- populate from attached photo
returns 3:11
